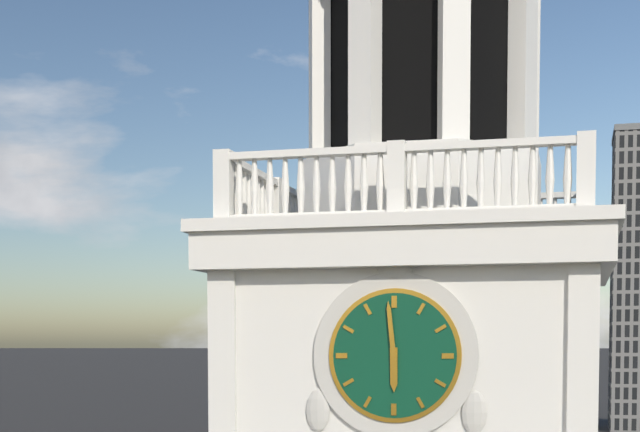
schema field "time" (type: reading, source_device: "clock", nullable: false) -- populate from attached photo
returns 5:59
